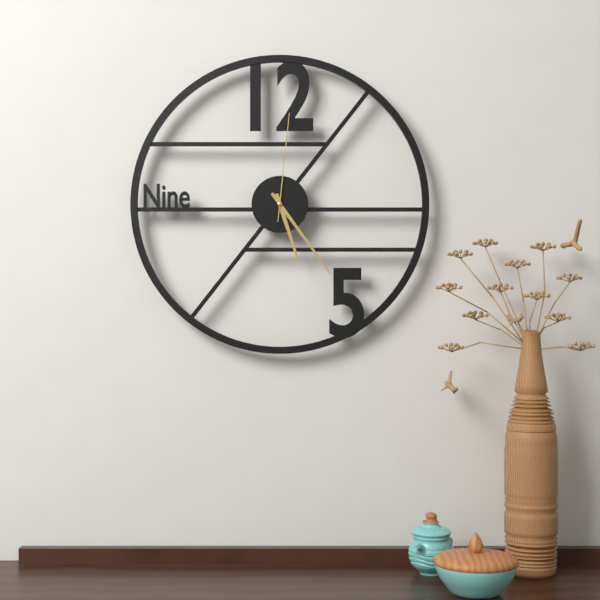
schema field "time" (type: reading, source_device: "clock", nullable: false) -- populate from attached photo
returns 5:24:01
